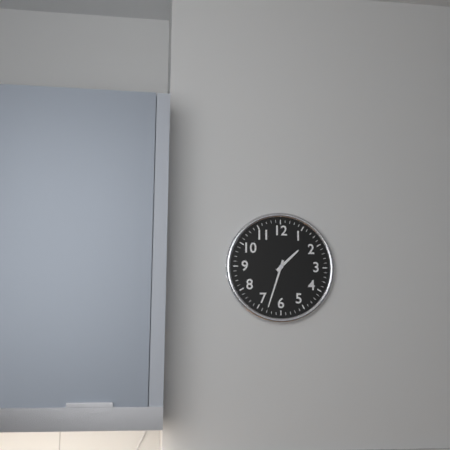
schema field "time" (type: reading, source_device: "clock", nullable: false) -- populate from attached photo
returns 1:33
